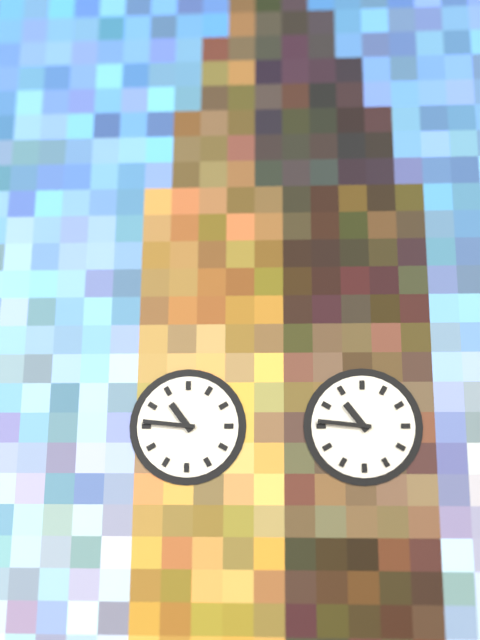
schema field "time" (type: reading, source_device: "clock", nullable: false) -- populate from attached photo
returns 10:46
